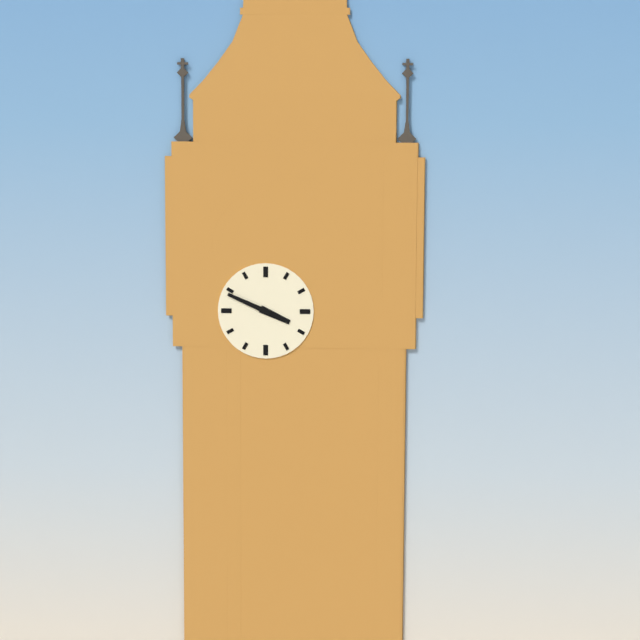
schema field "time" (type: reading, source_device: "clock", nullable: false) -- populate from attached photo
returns 3:49
